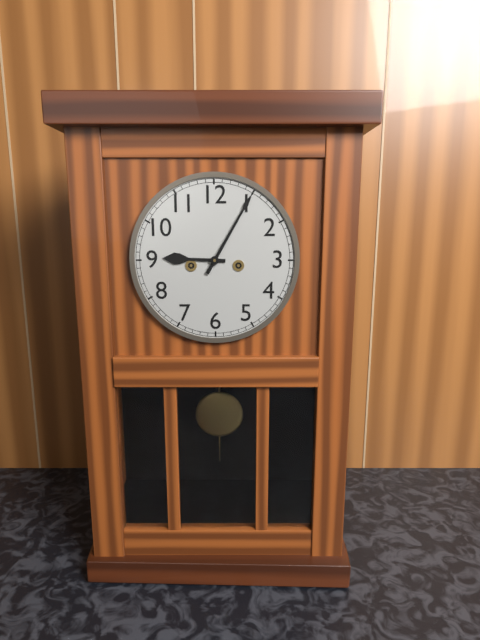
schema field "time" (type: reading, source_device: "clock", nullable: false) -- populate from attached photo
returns 9:05
